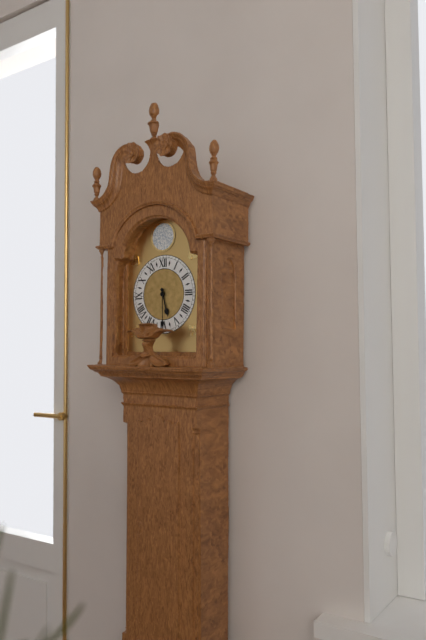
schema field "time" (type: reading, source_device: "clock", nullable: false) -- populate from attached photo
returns 5:30
